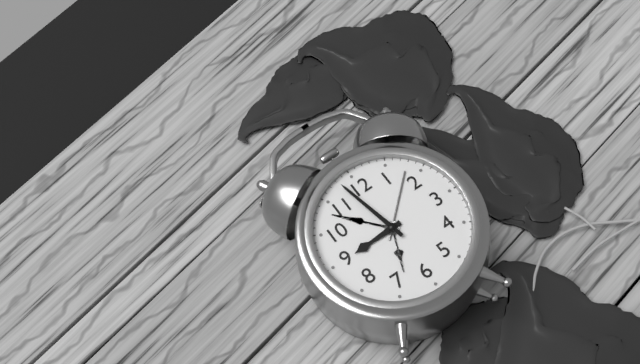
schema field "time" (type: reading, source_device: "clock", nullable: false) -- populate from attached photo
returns 8:58
